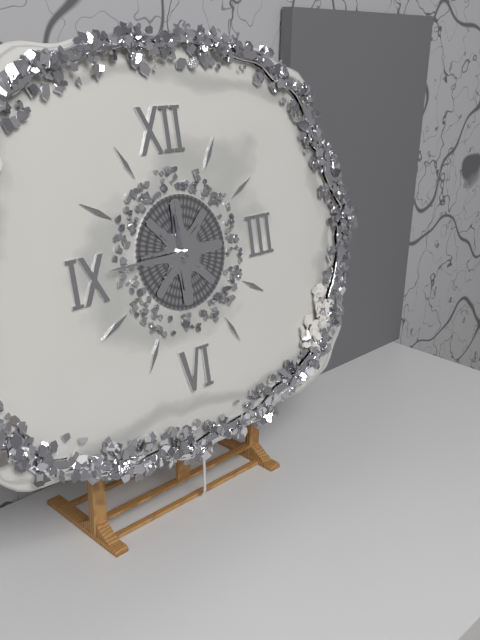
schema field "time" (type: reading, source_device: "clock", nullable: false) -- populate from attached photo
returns 11:45
